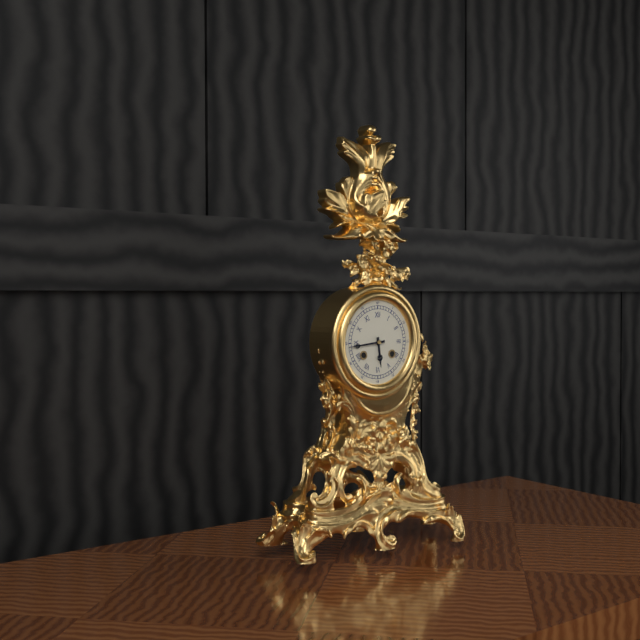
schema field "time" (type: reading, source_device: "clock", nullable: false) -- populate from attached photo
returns 5:44
